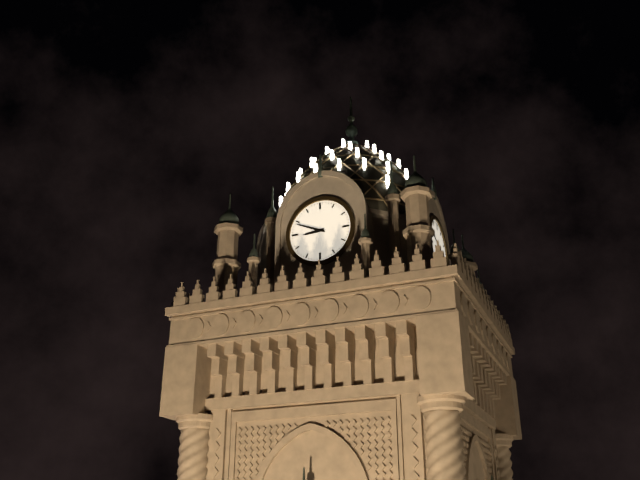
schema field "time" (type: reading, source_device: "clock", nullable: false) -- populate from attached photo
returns 8:49
